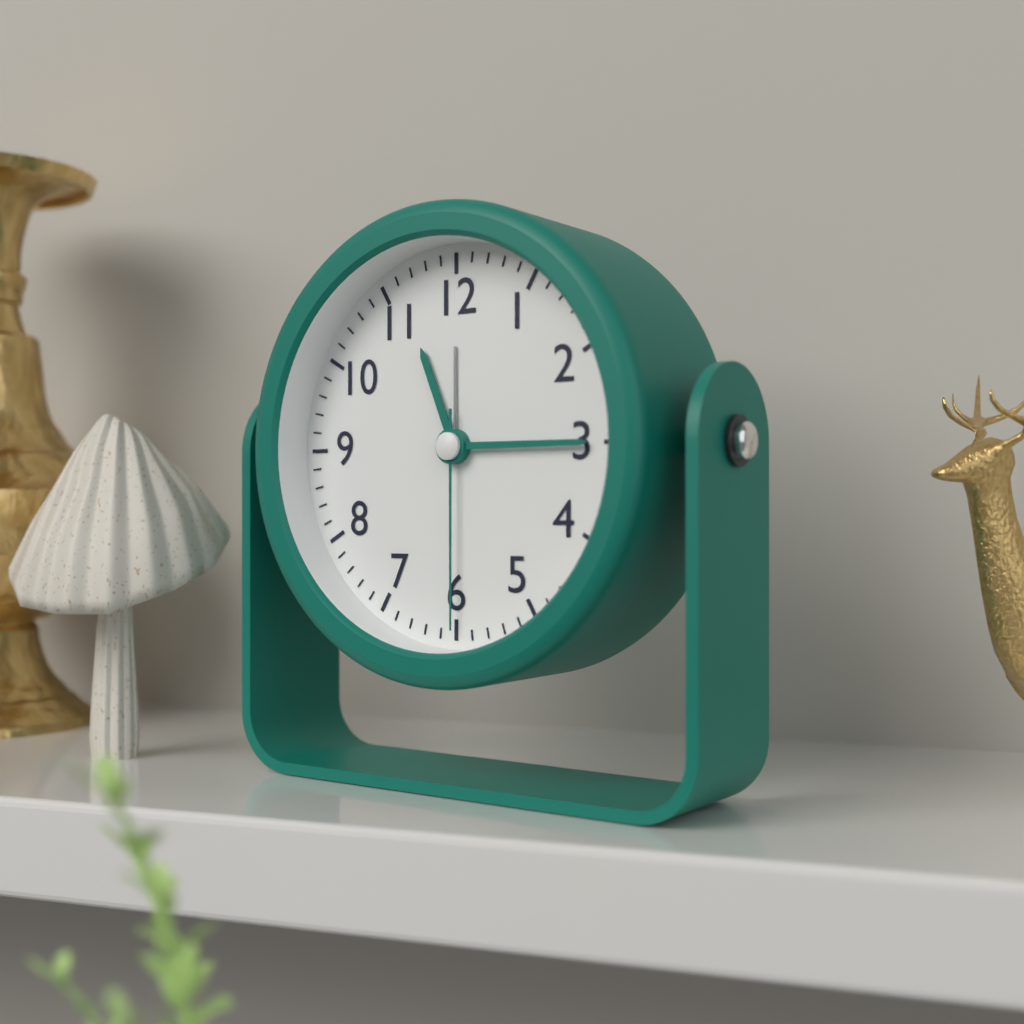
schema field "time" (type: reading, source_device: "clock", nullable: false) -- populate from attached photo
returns 11:15:30
